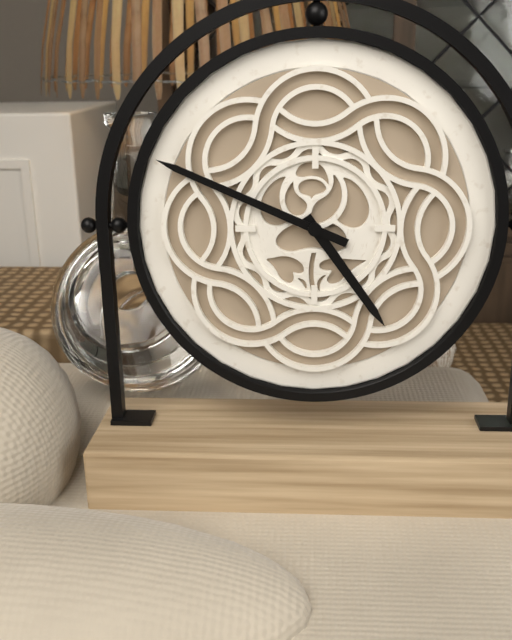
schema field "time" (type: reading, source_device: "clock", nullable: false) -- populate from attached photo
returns 4:49
